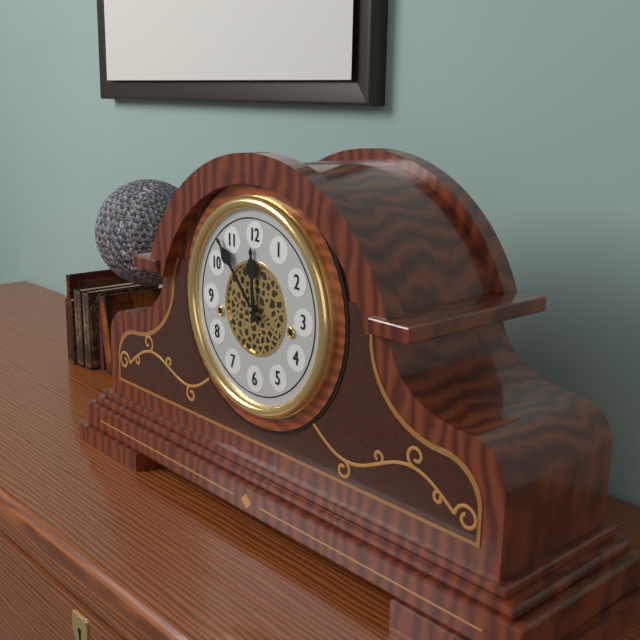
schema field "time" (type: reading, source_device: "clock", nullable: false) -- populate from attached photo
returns 11:53
